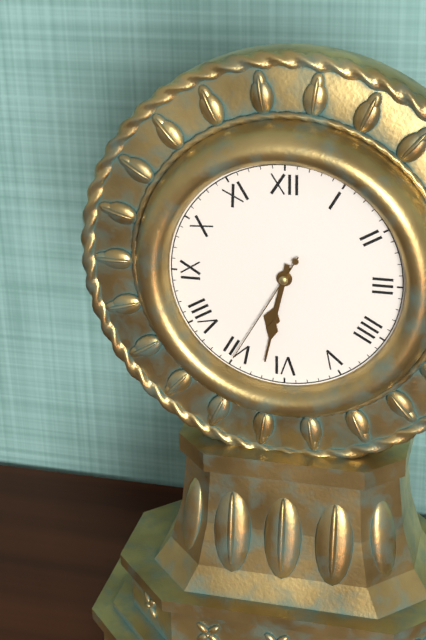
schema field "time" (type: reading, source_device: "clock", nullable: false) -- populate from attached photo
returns 6:32:35
